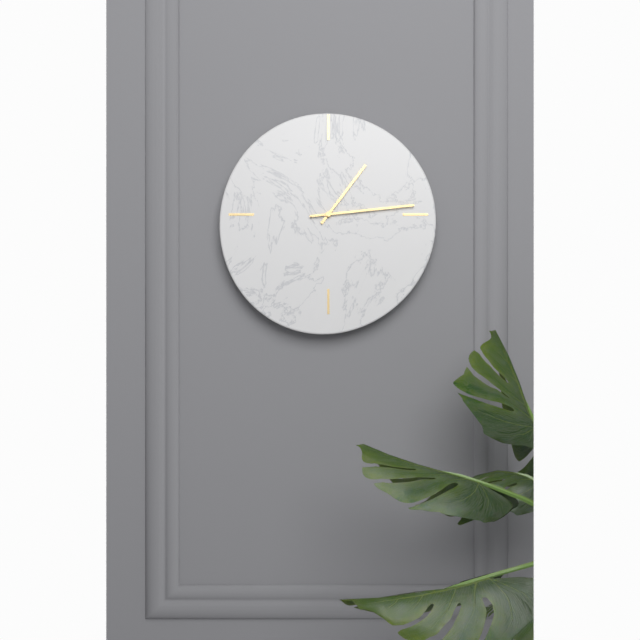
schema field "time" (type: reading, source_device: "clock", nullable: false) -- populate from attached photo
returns 1:14
